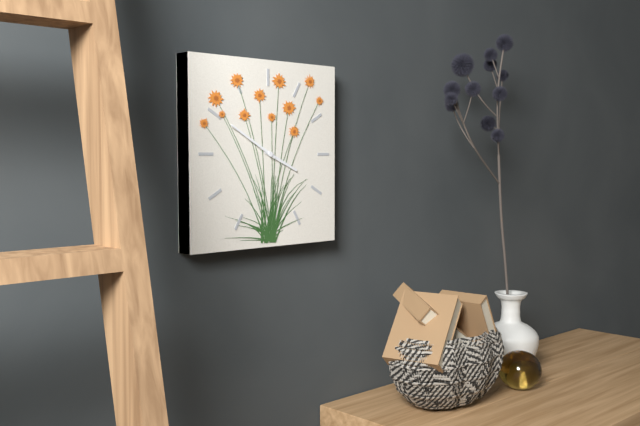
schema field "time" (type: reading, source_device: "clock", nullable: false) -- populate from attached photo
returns 3:50
